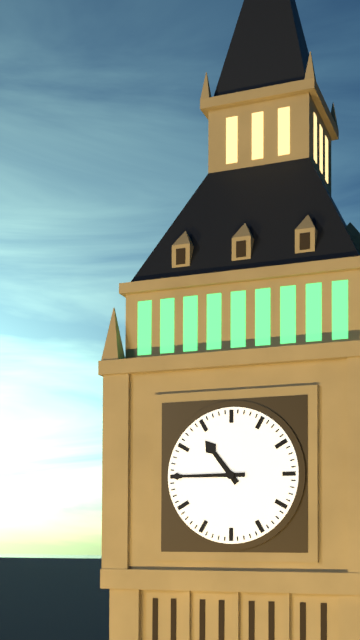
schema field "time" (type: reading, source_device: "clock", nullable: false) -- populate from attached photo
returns 10:45
